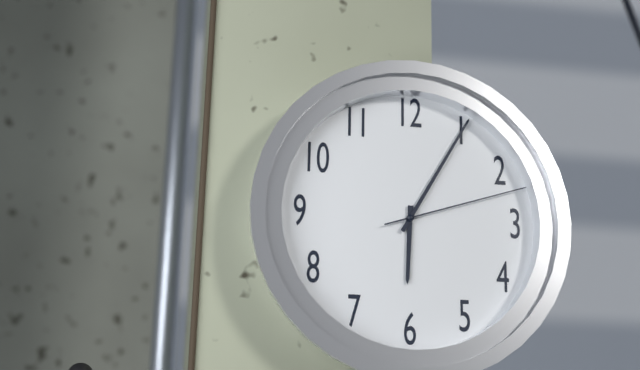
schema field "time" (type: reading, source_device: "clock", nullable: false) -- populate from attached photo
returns 6:05:12
